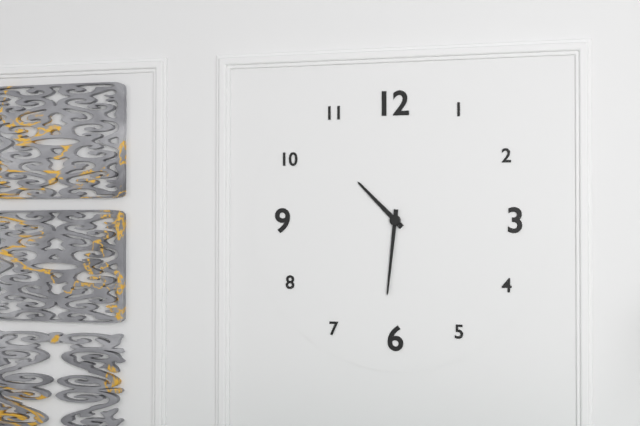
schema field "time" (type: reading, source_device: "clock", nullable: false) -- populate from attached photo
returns 10:31
